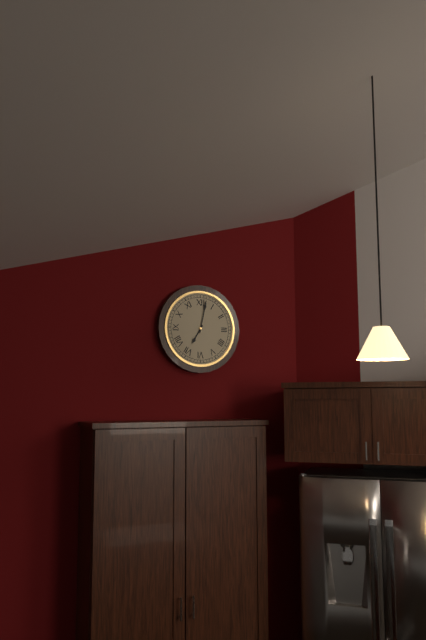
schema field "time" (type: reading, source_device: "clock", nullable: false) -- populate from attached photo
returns 7:02
